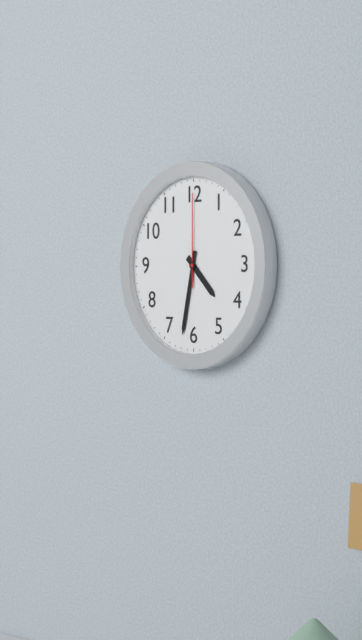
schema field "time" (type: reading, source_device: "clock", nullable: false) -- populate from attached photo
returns 4:32:00
